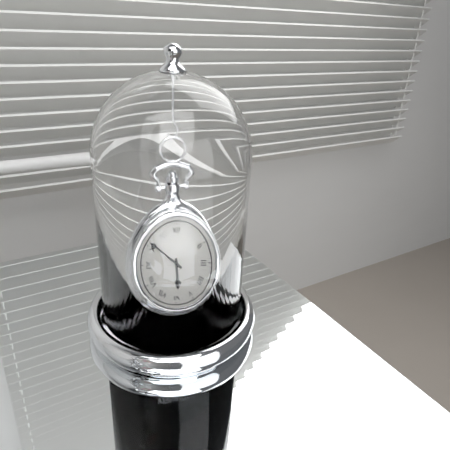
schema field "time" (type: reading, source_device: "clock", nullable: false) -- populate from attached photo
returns 5:51
